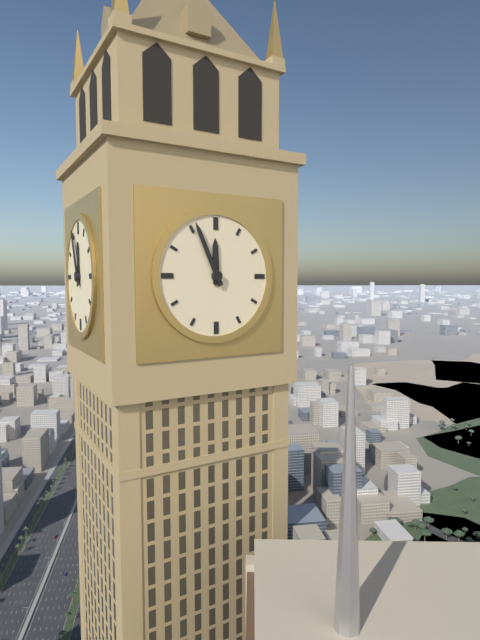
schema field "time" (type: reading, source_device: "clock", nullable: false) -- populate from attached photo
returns 11:56
